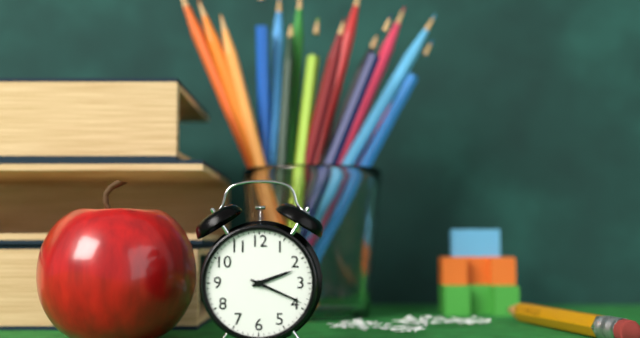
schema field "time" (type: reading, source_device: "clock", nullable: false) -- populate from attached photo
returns 2:19
